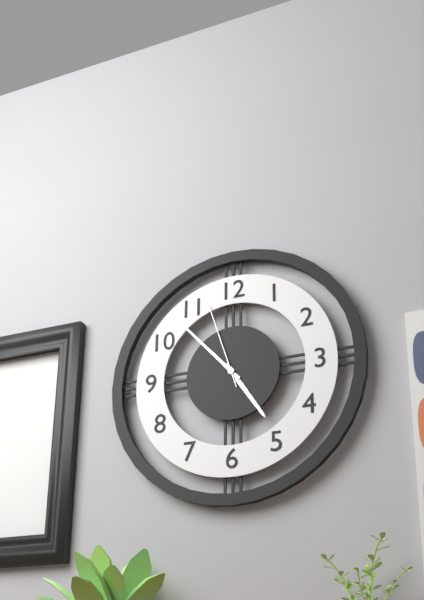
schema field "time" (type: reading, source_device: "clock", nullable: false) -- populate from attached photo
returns 4:53:57
